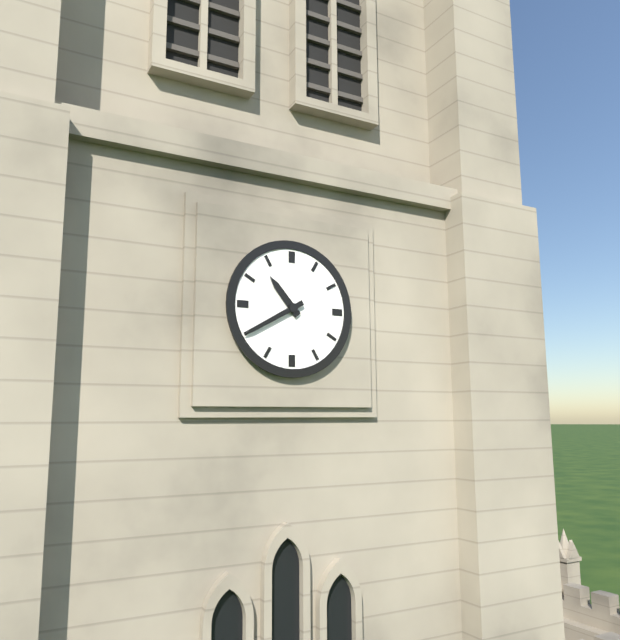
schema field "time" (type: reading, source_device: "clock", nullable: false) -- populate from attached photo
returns 10:40
